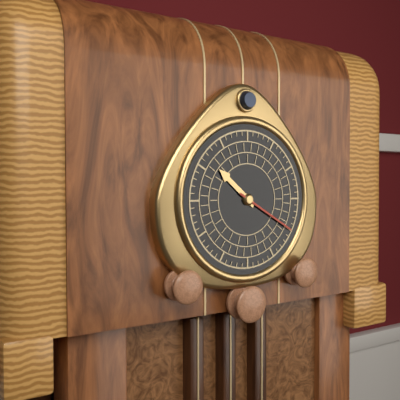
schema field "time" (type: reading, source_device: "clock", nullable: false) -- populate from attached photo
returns 10:20
